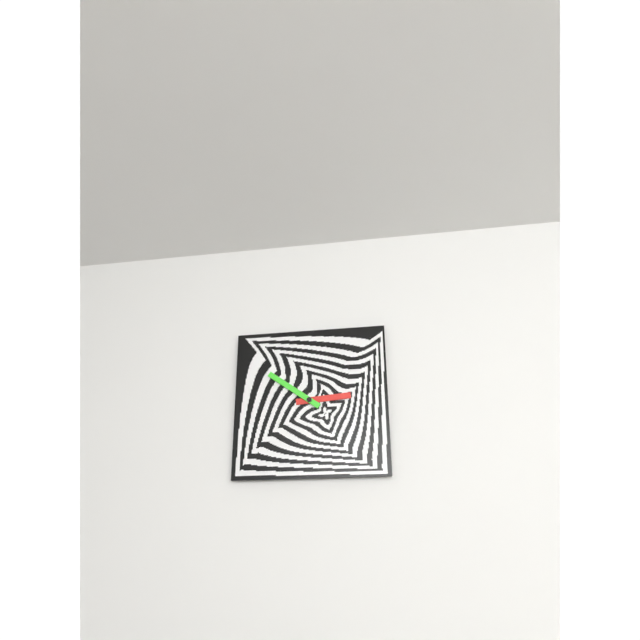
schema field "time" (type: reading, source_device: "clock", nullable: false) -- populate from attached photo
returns 2:51
